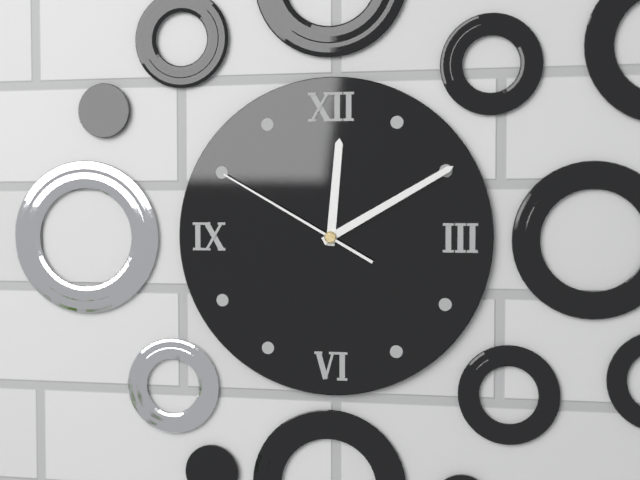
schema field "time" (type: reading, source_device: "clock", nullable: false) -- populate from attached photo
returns 12:10:50
